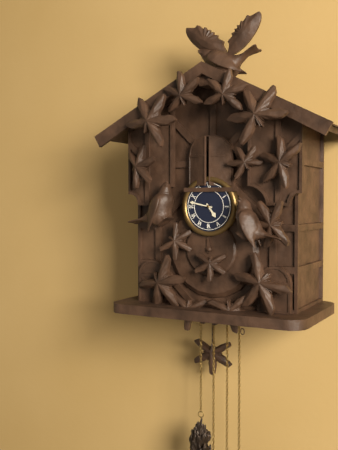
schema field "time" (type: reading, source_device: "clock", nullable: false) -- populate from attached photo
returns 4:47
